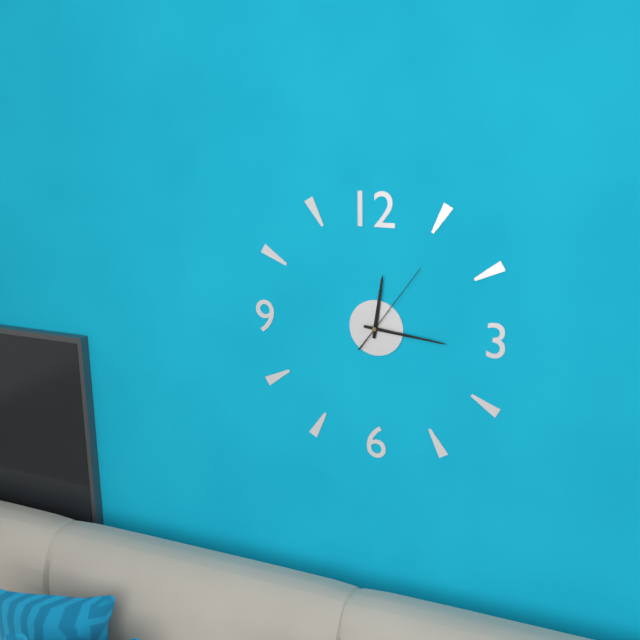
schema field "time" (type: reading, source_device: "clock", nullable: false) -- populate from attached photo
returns 12:16:06
